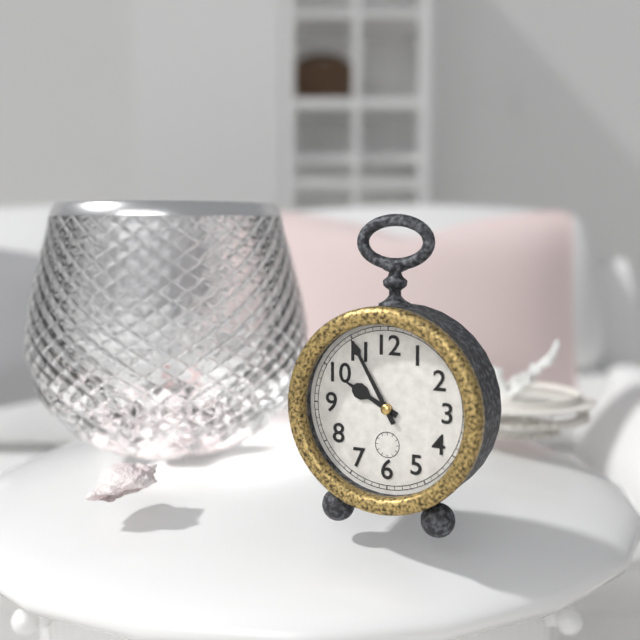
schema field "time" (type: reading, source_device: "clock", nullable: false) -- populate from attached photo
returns 9:55
